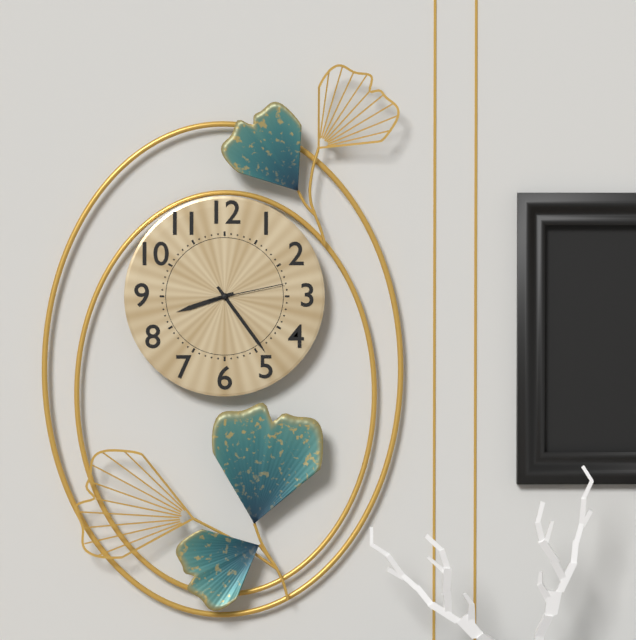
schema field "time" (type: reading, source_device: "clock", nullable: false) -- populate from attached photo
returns 8:24:13
